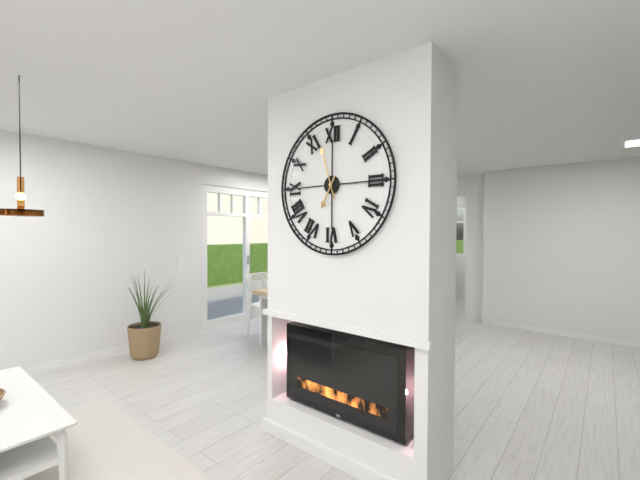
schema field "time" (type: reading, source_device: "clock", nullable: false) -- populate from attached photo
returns 6:57
